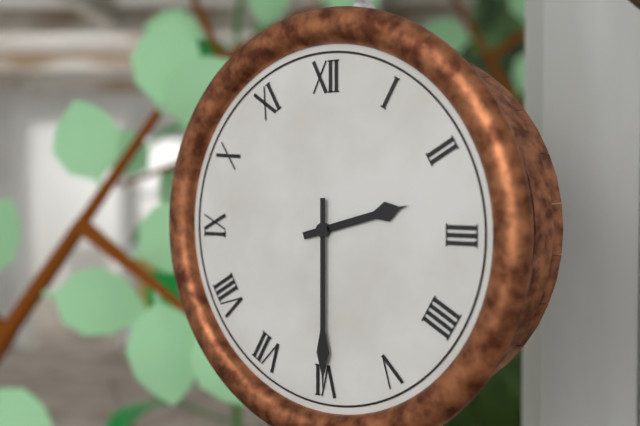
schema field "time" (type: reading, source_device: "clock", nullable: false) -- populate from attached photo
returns 2:30
